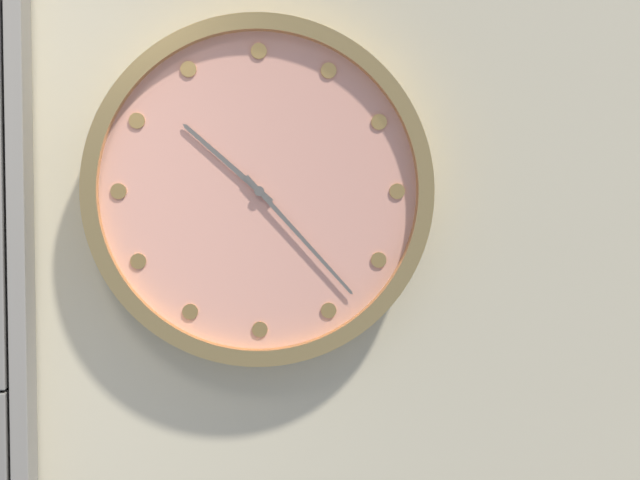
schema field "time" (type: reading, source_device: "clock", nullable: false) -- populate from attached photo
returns 10:23
